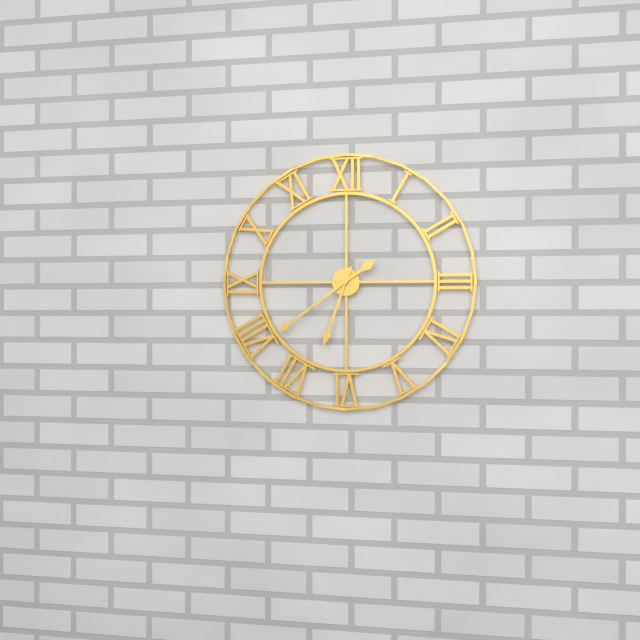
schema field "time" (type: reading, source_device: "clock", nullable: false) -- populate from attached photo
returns 6:39
